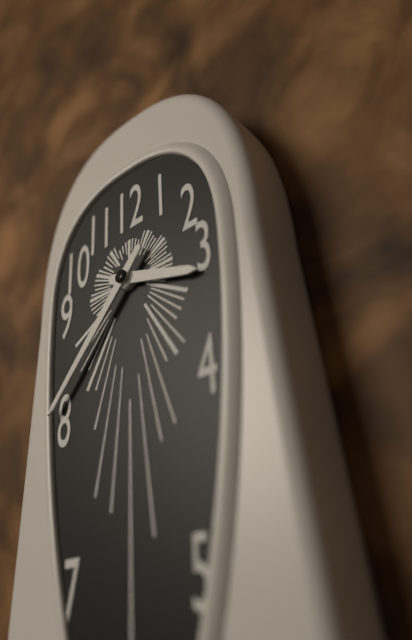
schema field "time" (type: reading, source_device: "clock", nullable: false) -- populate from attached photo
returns 3:37
